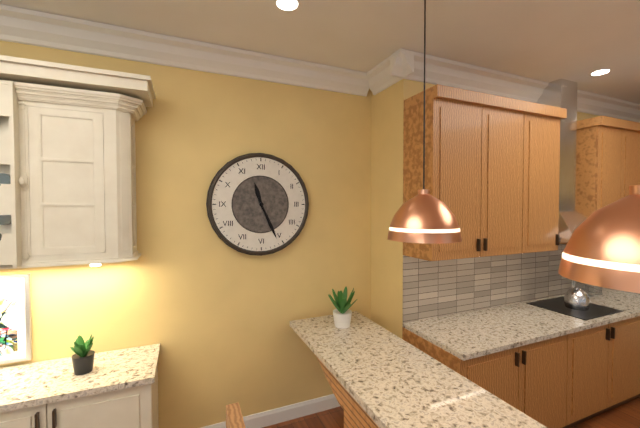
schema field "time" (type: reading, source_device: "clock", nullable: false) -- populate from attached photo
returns 11:26
